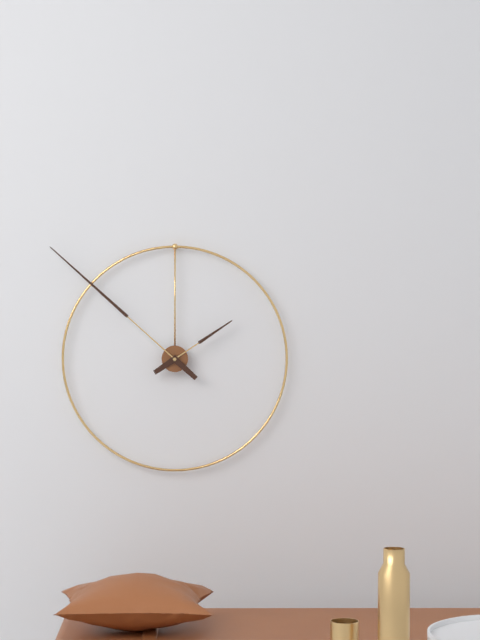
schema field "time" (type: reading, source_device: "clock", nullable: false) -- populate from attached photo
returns 1:52
